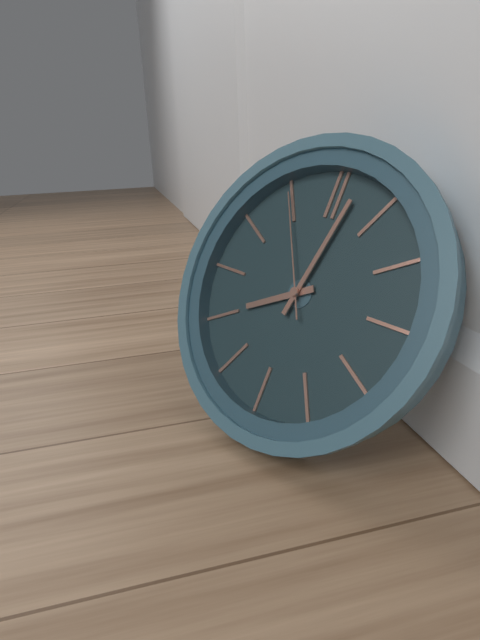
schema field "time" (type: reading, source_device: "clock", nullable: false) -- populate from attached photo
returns 8:02:55
